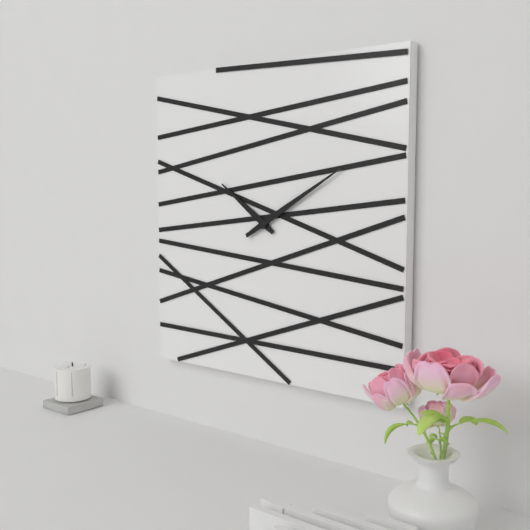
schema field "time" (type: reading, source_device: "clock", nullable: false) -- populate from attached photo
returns 10:10
